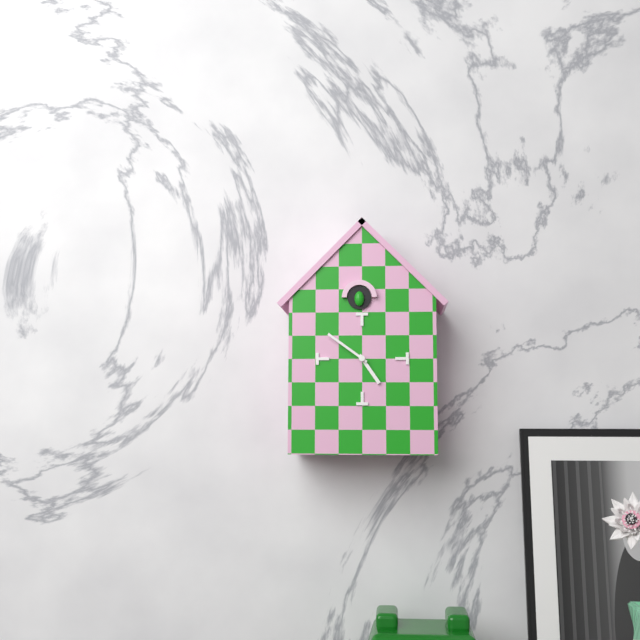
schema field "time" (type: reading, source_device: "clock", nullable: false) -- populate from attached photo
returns 4:51
